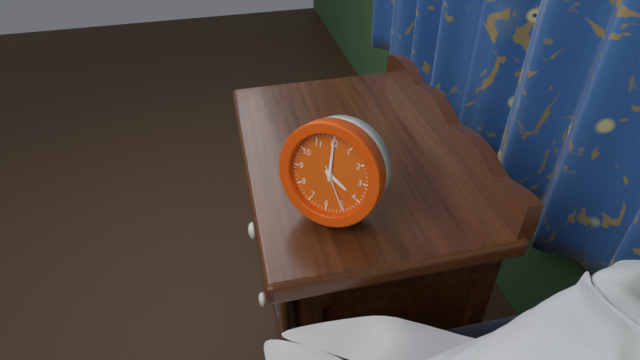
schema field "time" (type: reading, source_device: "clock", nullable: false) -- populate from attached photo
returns 4:00
